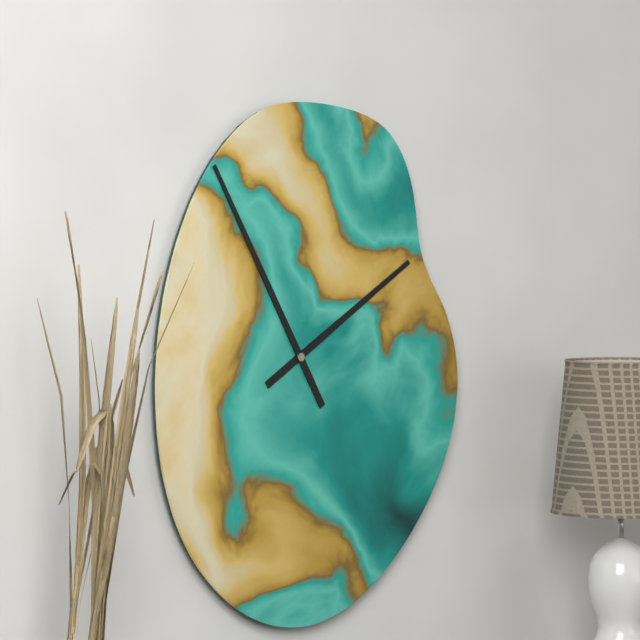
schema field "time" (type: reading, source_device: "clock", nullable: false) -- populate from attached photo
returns 1:55
